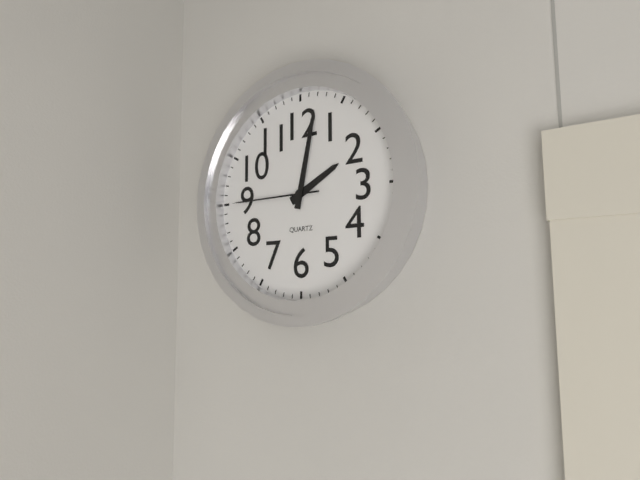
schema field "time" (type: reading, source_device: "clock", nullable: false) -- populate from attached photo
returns 2:02:45
